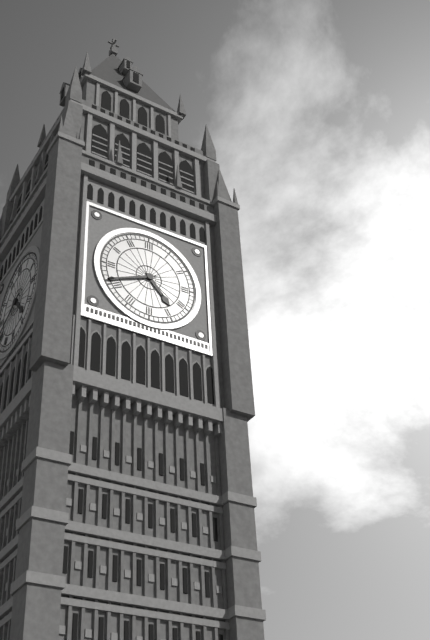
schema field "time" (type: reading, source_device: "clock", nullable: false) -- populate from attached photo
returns 4:41
